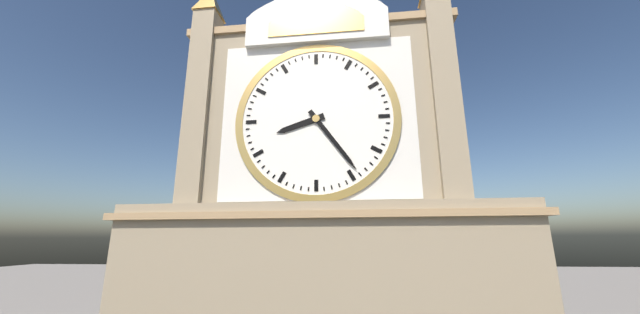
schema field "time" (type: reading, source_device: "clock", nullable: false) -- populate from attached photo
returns 8:24
